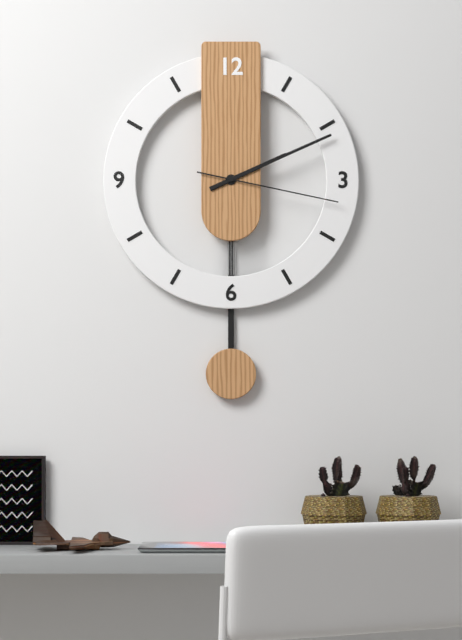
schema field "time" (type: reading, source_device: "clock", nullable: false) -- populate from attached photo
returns 2:11:17
